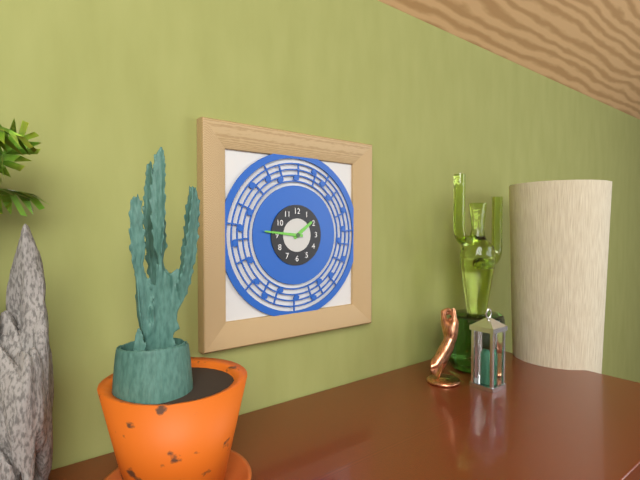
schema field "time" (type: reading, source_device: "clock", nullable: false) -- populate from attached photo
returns 1:46
